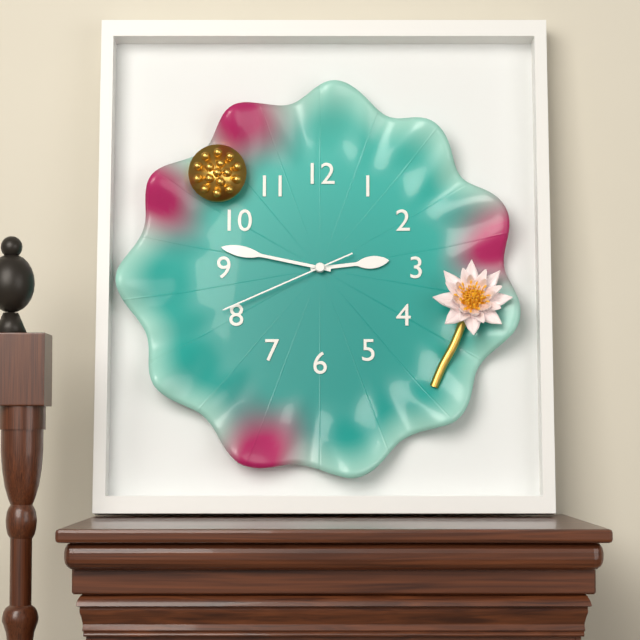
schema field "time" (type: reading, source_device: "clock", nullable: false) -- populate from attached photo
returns 2:47:41
